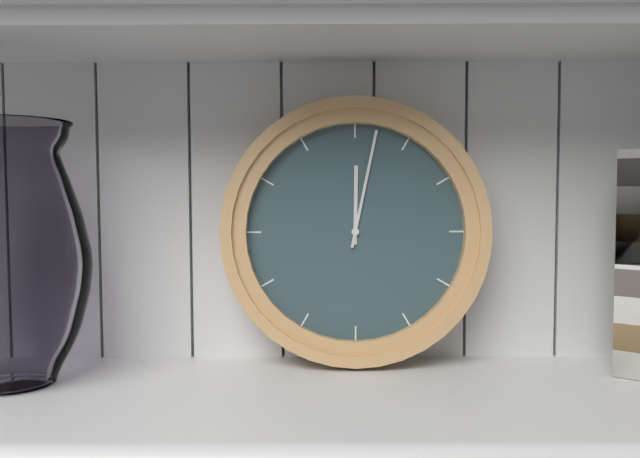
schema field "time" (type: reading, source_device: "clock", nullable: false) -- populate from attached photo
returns 12:02
